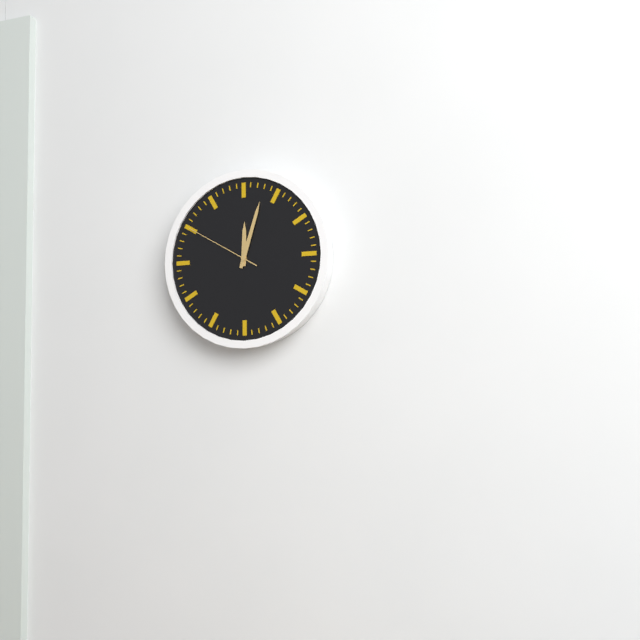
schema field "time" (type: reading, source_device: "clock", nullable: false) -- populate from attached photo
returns 12:03:50
